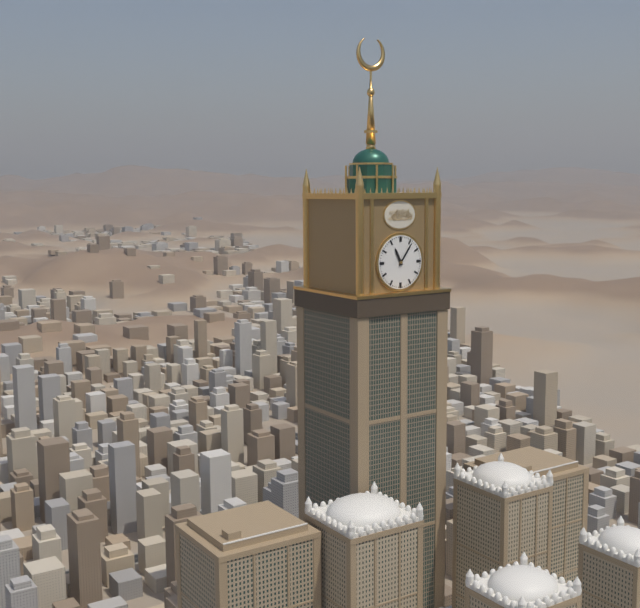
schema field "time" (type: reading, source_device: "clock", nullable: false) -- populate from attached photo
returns 11:06
